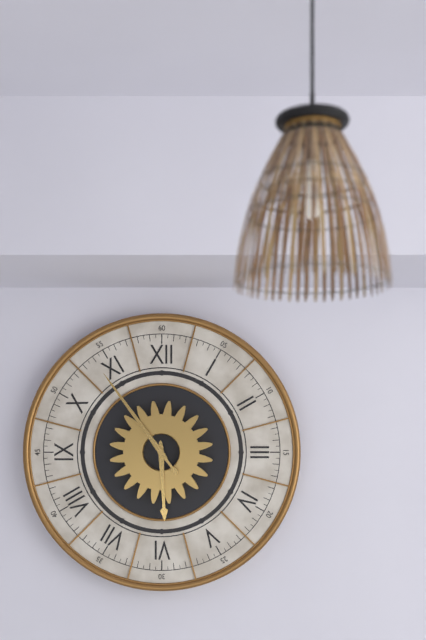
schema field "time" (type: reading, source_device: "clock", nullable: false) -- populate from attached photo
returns 5:54
